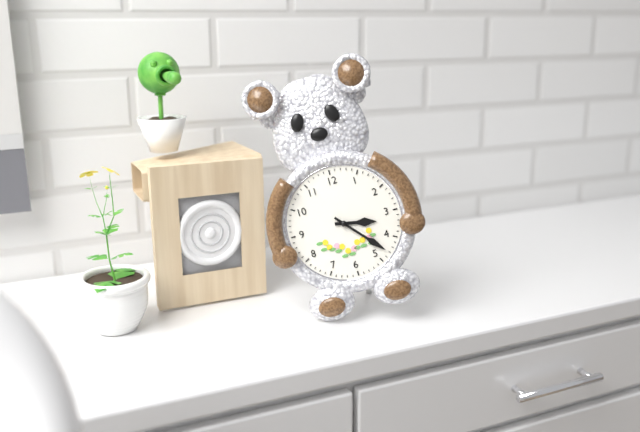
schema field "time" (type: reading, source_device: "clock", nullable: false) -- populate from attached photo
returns 3:23
